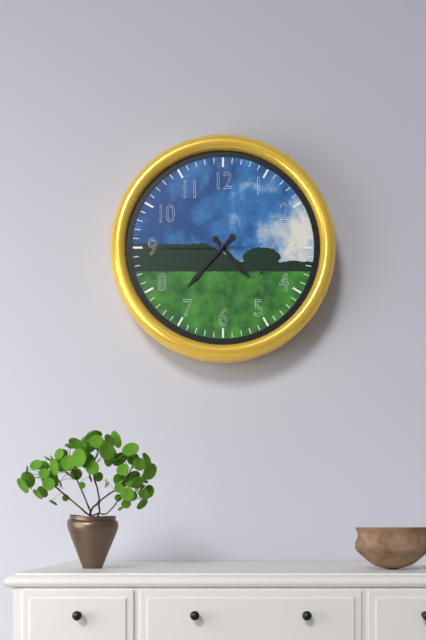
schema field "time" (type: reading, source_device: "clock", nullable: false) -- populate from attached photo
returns 4:37:45
